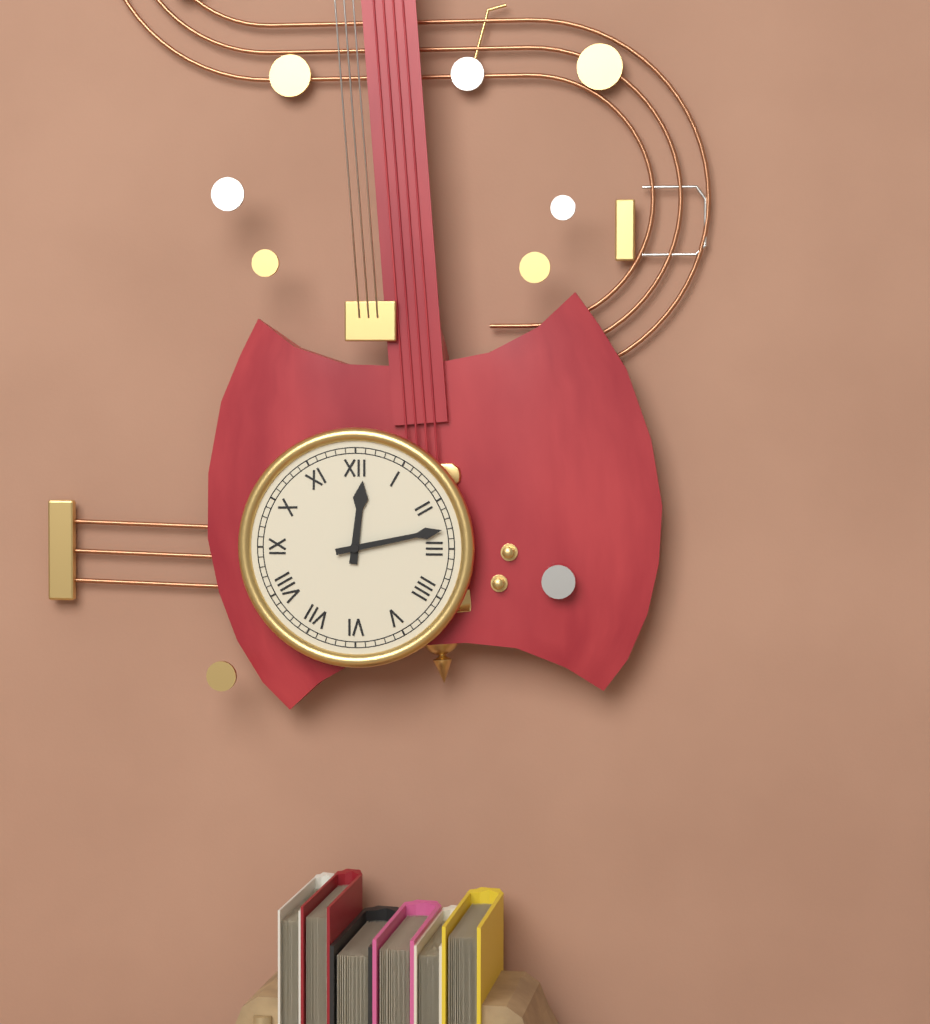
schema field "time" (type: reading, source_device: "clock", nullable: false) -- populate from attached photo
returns 12:13
